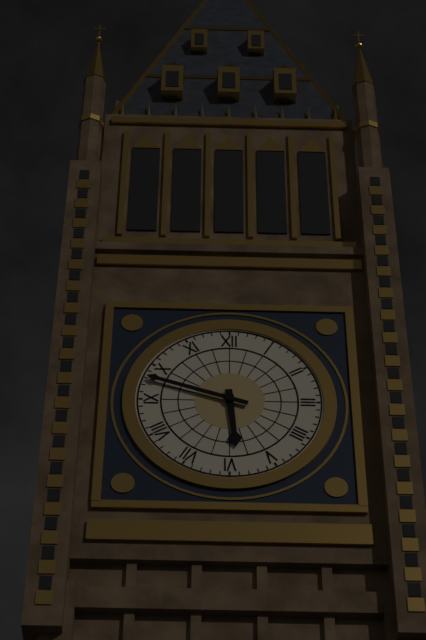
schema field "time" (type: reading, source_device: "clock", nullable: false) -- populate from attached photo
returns 5:48
